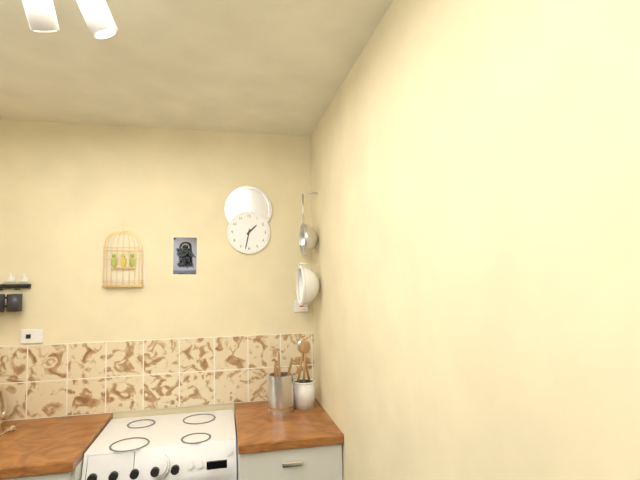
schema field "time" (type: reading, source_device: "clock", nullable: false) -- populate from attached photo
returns 1:32
